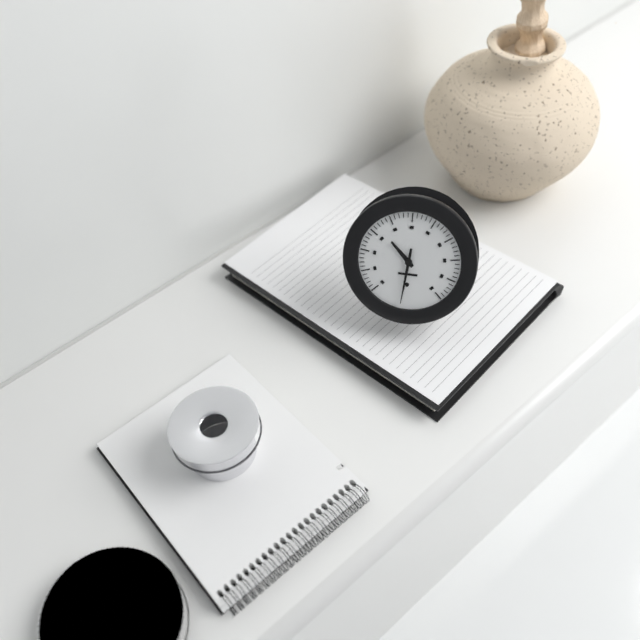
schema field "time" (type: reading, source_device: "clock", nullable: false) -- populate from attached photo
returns 10:31
